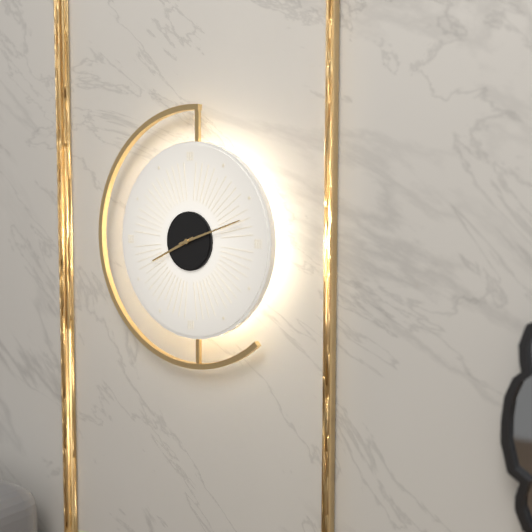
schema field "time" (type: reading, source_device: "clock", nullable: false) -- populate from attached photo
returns 8:12
